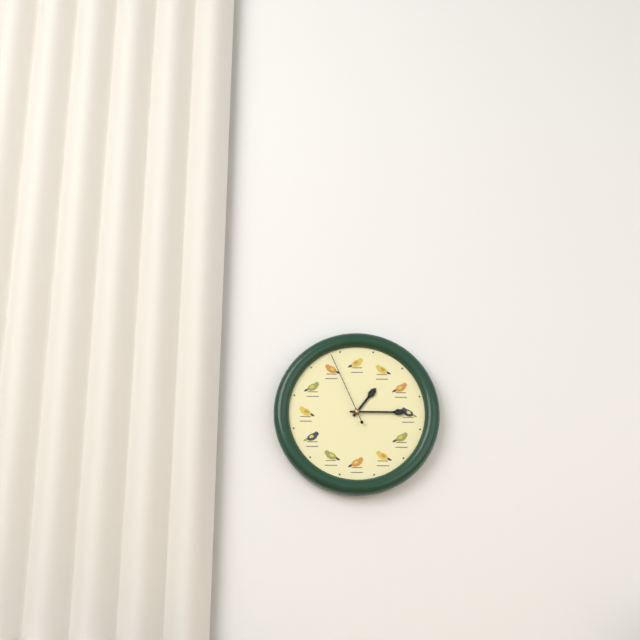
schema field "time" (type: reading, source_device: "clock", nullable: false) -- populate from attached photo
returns 1:15:56
